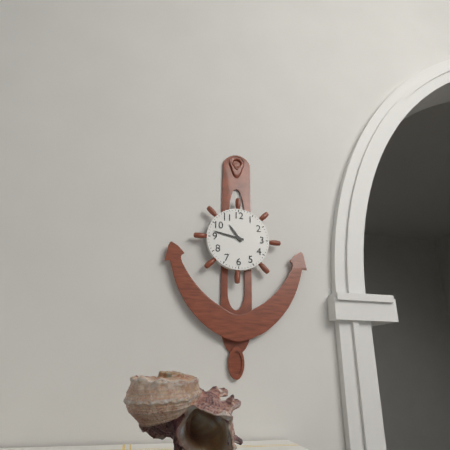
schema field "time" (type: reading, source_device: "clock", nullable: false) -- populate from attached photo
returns 10:47
